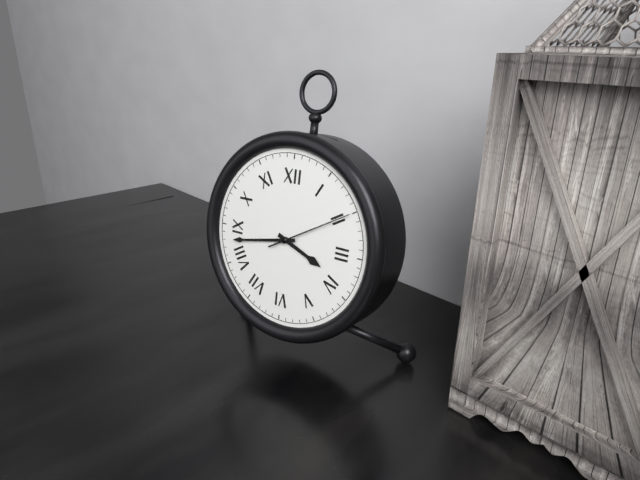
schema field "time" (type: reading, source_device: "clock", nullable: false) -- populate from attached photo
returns 3:43:10
